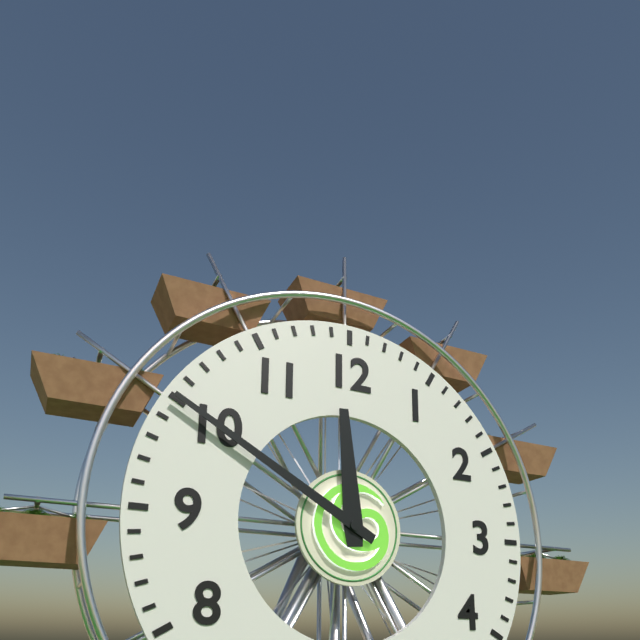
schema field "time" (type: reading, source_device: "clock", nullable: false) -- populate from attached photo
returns 11:50
